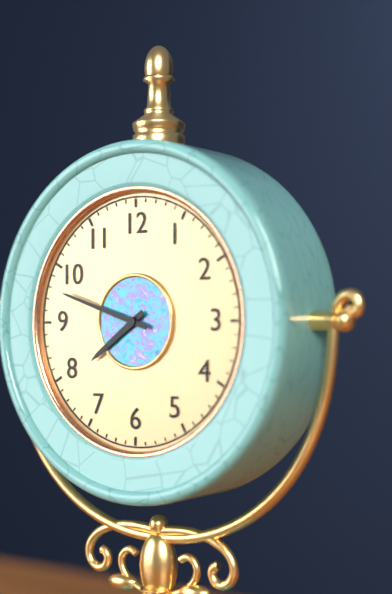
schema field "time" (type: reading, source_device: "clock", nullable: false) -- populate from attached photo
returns 7:48
